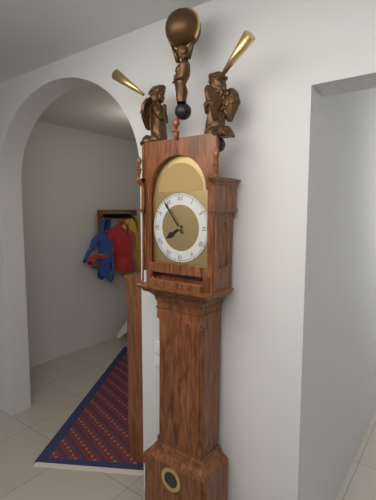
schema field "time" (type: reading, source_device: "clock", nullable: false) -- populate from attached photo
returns 7:54
